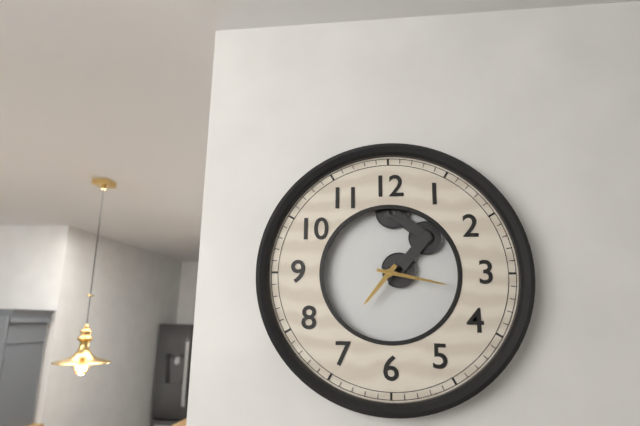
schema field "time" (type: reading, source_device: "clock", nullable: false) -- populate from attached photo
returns 7:17
